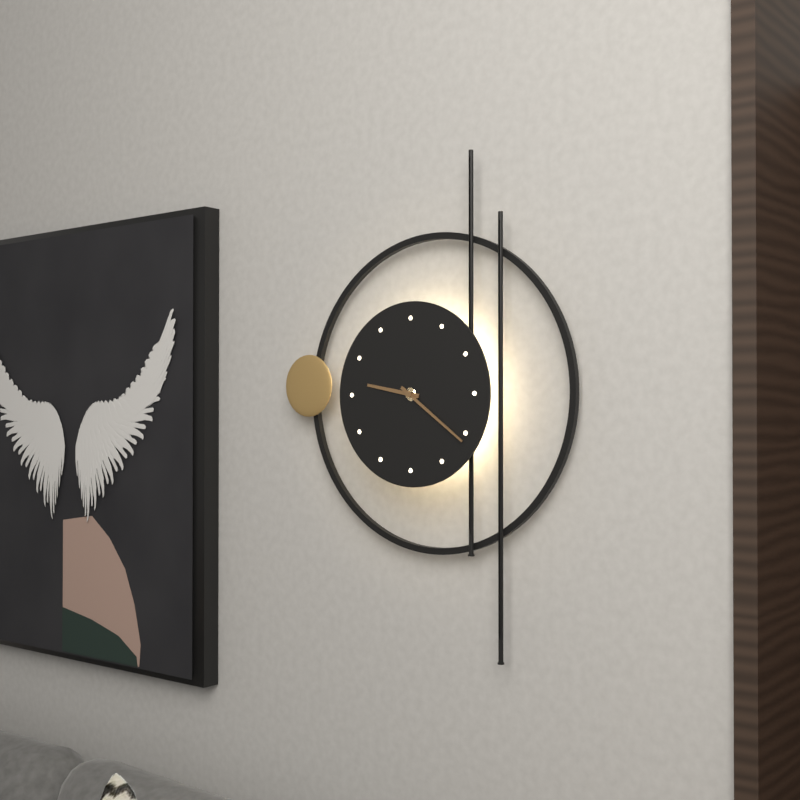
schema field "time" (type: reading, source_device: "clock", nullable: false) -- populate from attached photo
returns 9:21
